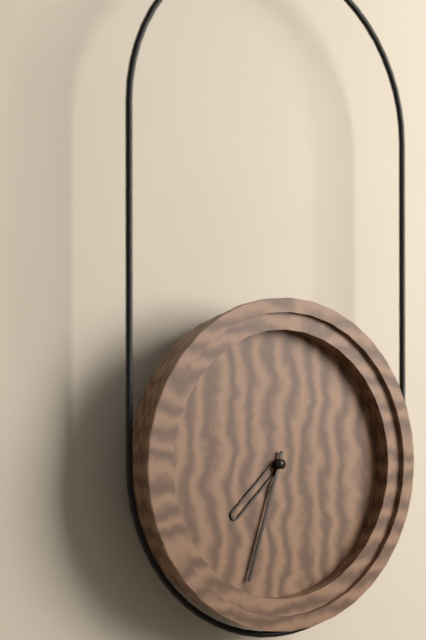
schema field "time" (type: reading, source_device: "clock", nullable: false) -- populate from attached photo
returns 7:33
